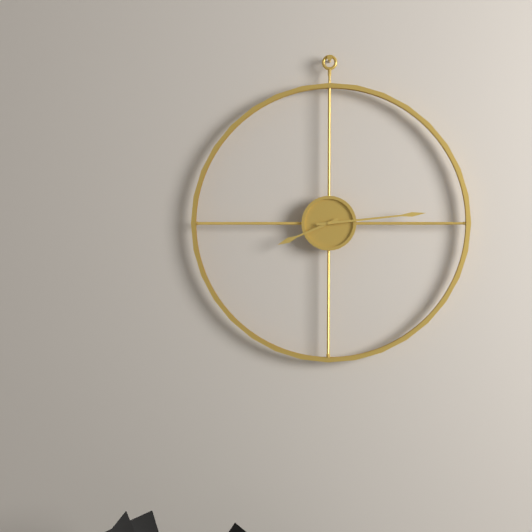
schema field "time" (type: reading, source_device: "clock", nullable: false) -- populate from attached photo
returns 8:14
